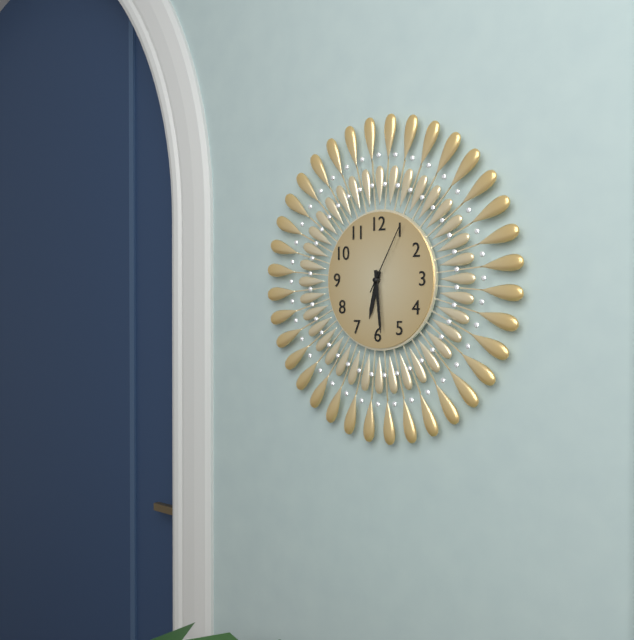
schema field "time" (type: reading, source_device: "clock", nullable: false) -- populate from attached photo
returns 6:29:05
